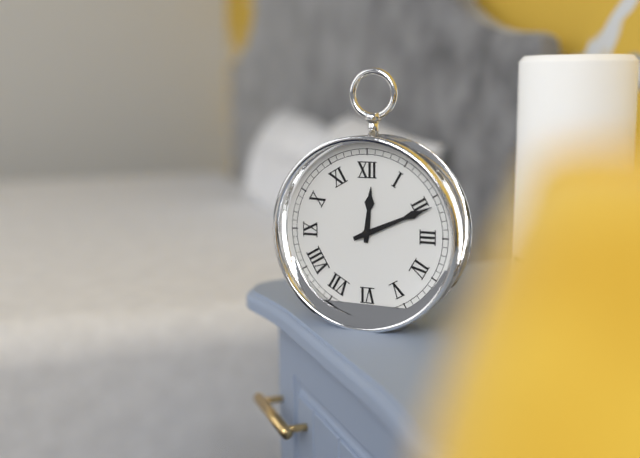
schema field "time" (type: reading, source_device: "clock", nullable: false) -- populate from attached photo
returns 12:11
